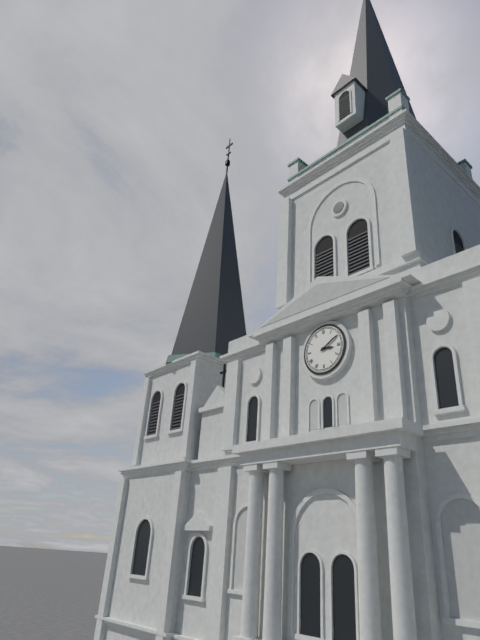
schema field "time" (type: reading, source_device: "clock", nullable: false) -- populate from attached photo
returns 3:10
